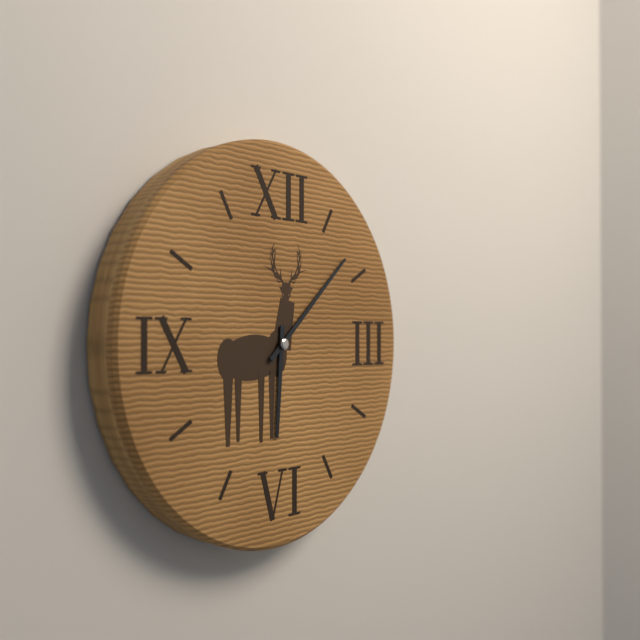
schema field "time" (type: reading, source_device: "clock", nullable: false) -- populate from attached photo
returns 6:08
